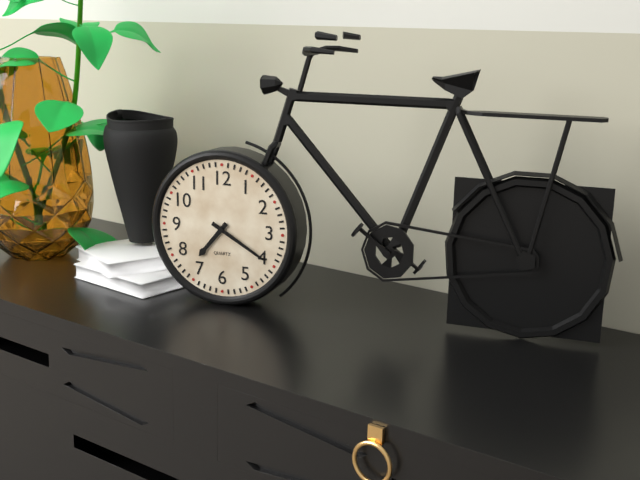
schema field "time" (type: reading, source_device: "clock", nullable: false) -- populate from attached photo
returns 7:20
